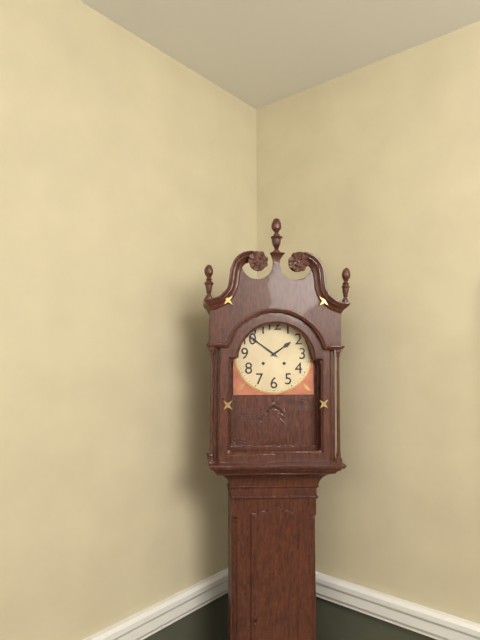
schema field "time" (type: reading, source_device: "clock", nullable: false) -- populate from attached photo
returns 1:51
